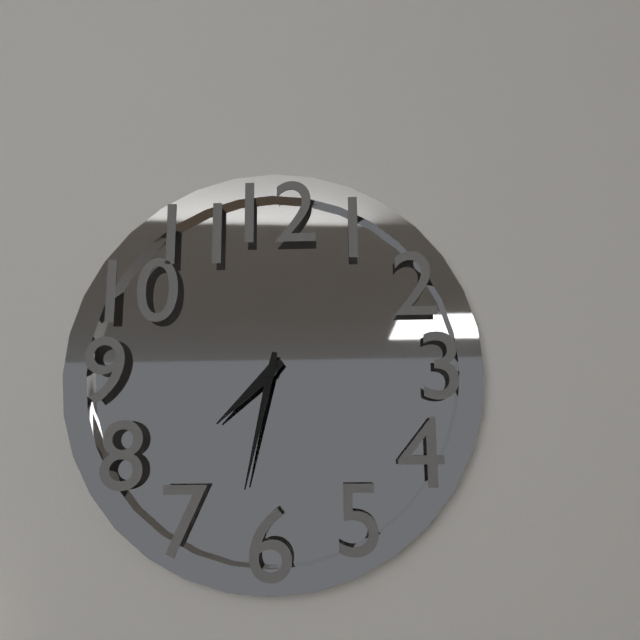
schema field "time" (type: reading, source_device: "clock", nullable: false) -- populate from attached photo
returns 7:32
